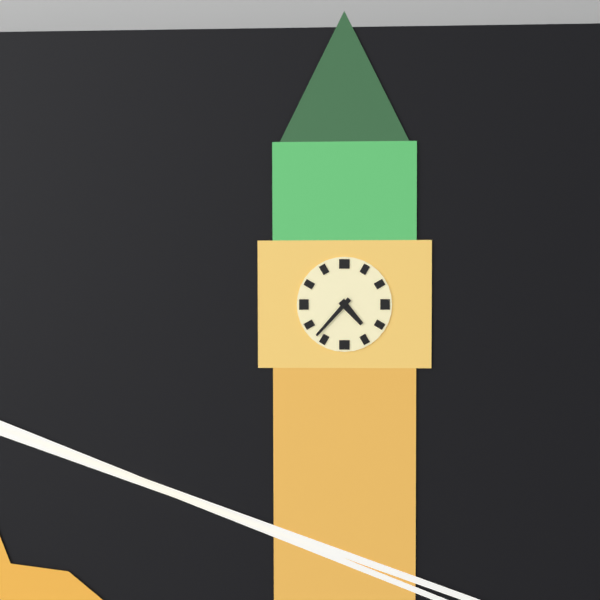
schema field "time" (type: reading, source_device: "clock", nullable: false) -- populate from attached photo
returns 4:37
